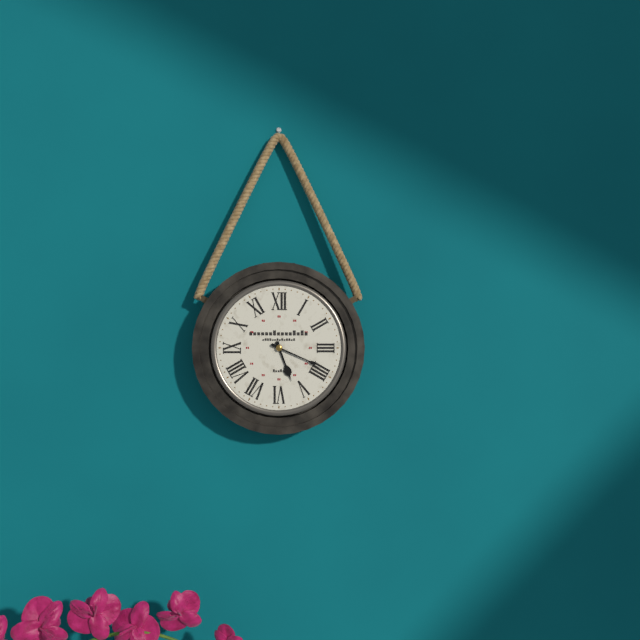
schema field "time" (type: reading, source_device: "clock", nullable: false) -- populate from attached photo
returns 5:19
